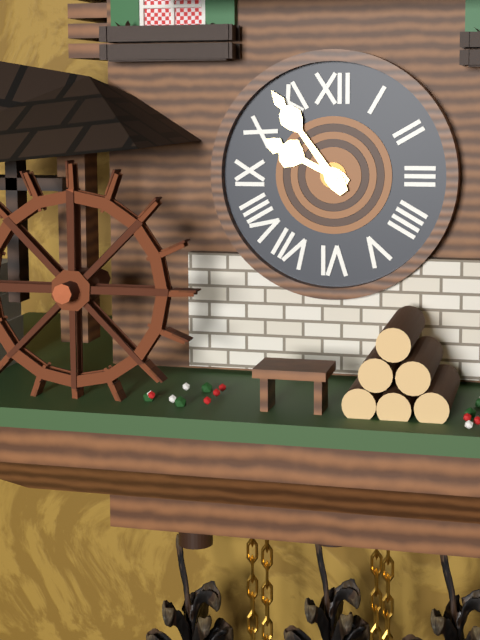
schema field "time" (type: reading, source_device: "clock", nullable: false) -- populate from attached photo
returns 9:54
